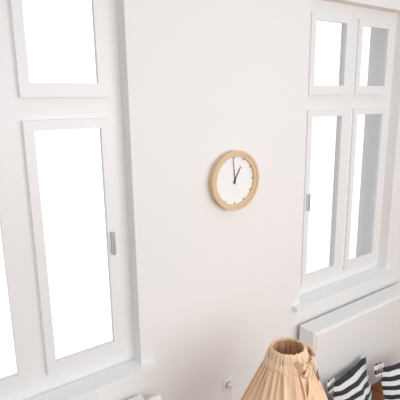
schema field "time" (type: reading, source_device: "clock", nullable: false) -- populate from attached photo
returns 12:59
